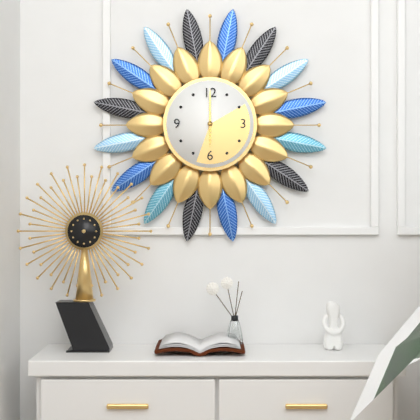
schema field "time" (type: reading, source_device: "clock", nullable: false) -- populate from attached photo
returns 6:00
